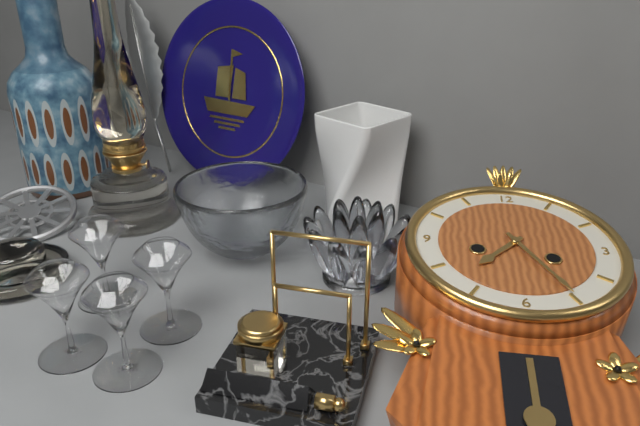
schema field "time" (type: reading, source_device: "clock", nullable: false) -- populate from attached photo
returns 7:25
